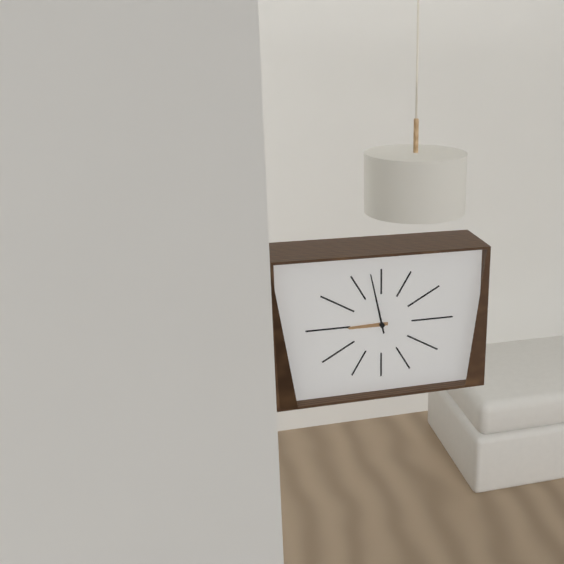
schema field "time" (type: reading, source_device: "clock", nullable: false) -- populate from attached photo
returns 8:58
